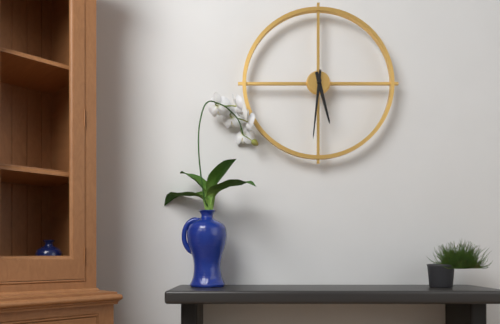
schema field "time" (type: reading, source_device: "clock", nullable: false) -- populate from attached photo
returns 5:31
